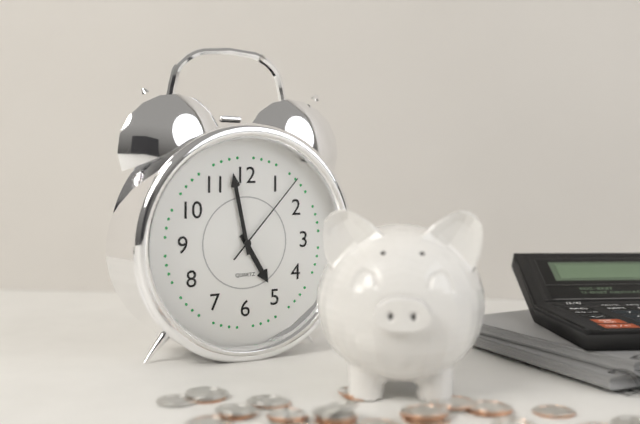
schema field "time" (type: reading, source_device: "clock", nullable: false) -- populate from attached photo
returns 4:58:07
